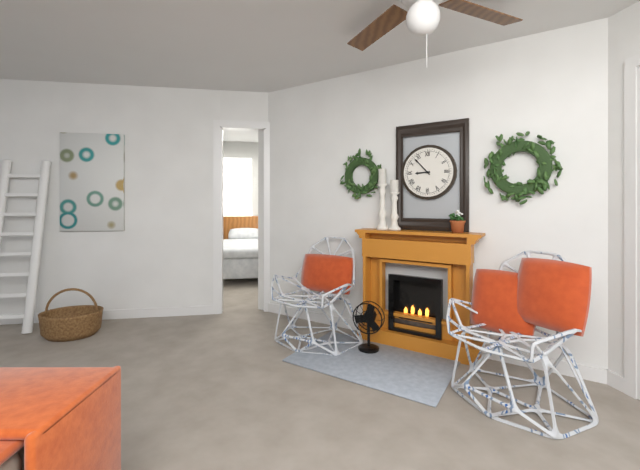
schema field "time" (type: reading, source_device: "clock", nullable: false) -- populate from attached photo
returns 8:53
